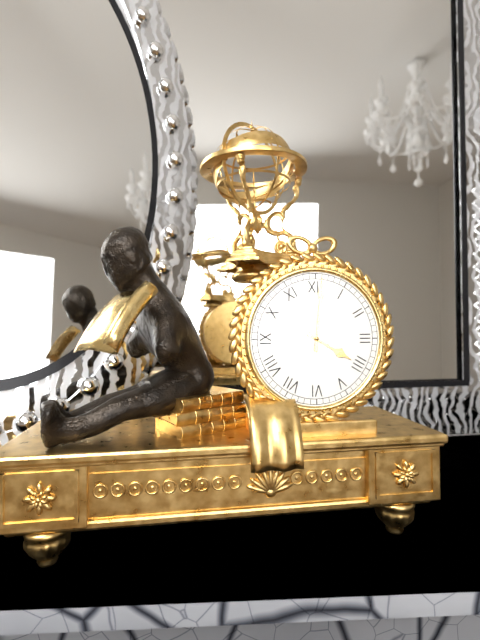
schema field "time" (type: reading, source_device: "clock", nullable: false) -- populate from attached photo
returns 4:01
